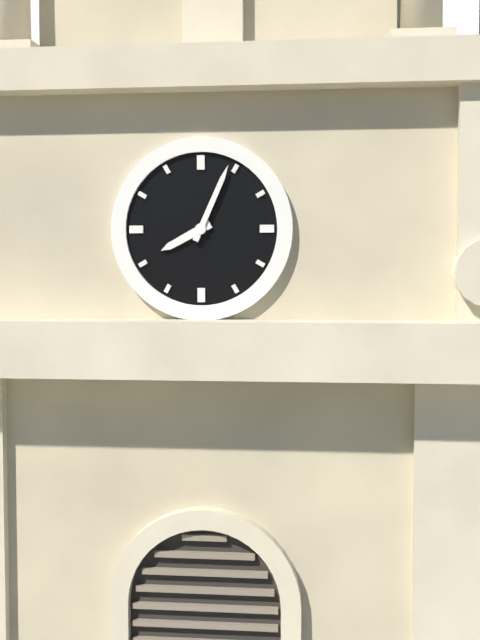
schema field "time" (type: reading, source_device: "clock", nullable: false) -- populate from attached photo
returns 8:04
